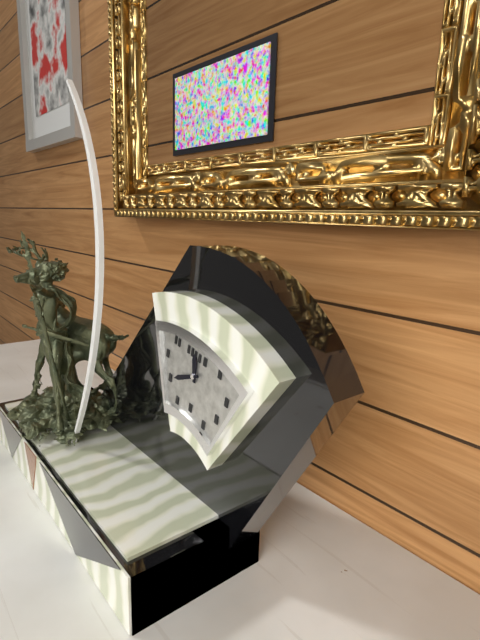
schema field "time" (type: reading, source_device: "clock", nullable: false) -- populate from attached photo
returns 11:40
